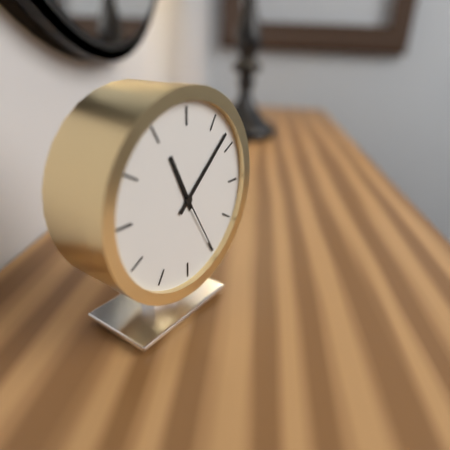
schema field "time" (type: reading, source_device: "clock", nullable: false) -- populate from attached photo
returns 11:08:25
